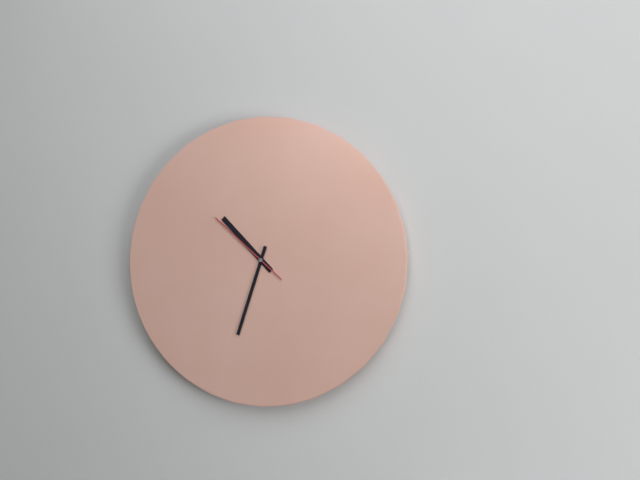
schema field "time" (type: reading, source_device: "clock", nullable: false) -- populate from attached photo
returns 10:33:52
